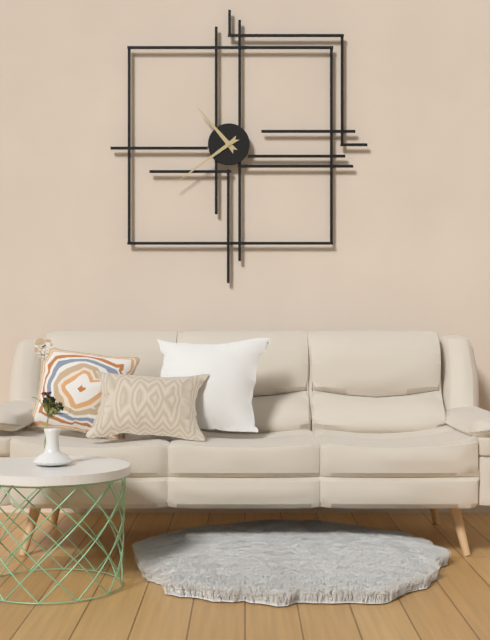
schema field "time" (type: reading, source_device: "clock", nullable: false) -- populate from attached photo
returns 10:39
